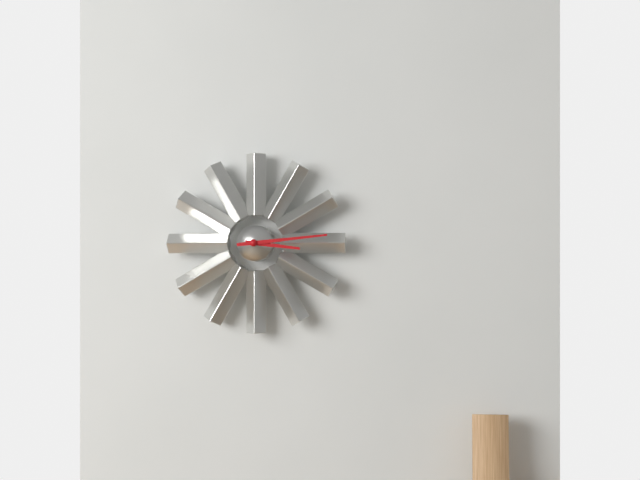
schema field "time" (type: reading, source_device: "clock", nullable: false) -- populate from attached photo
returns 3:14
